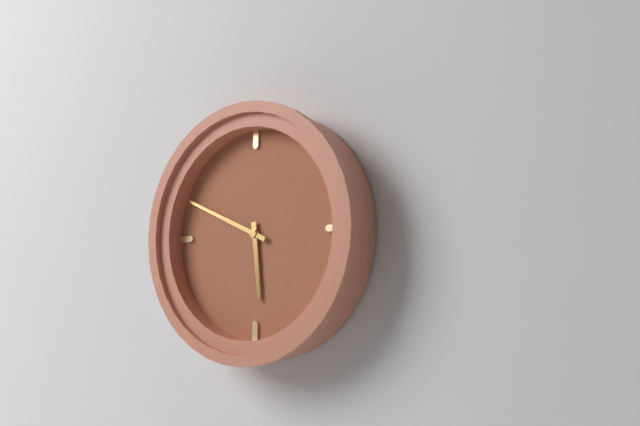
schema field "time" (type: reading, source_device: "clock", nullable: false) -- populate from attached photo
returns 5:49
